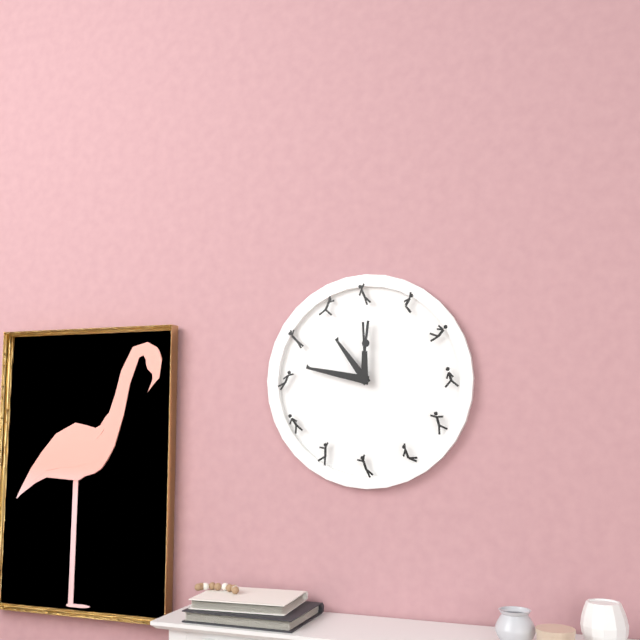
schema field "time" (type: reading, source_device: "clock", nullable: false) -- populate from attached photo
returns 10:47
